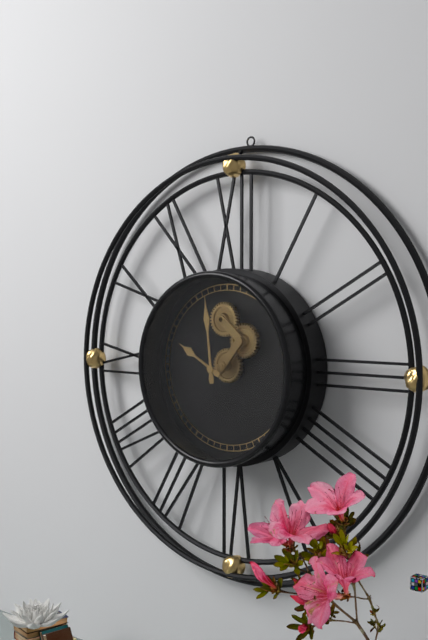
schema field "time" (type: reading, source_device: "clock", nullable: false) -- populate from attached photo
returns 9:59
